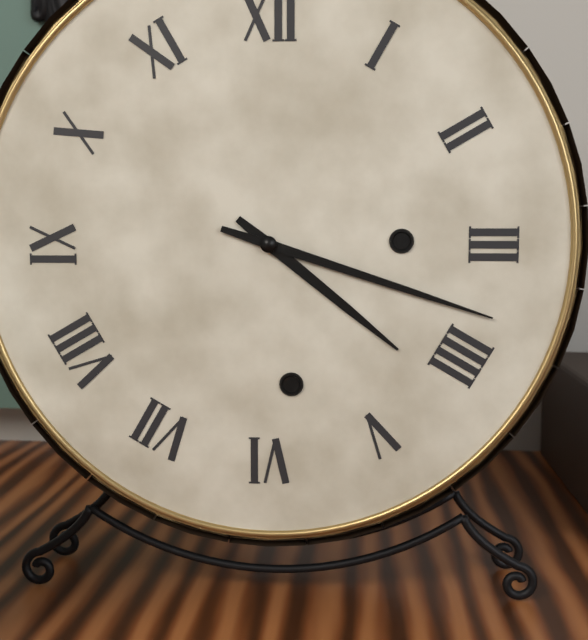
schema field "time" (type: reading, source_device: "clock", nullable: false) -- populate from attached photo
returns 4:18
